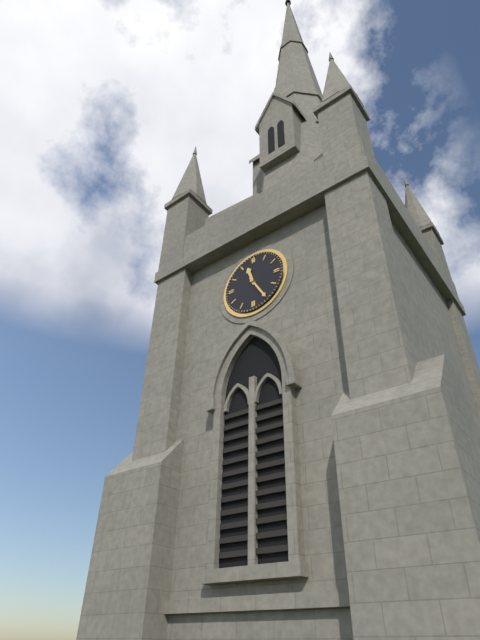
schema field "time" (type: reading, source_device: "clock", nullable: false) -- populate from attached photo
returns 11:25
